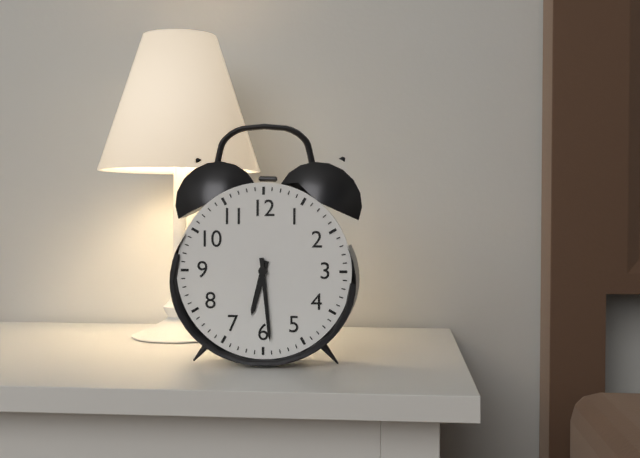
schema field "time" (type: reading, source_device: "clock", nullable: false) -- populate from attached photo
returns 6:29
